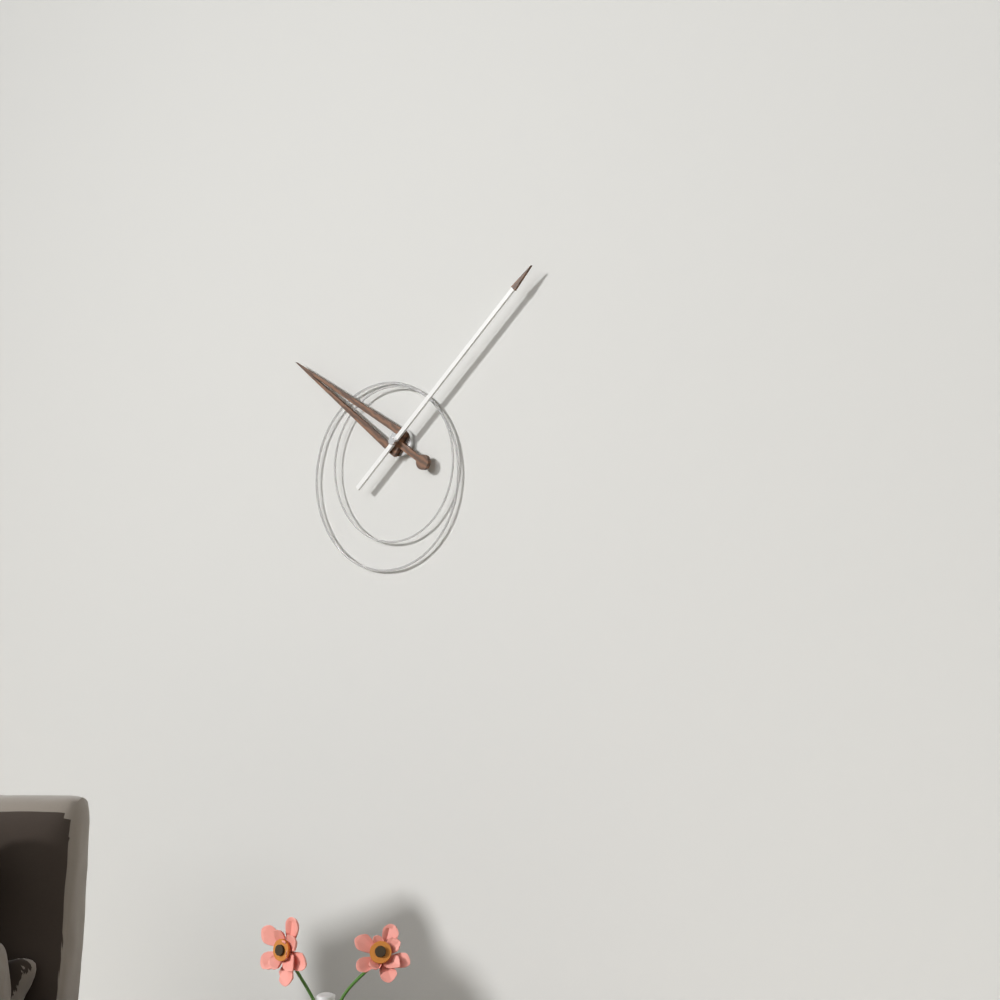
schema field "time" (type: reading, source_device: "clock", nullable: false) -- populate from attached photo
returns 10:08
